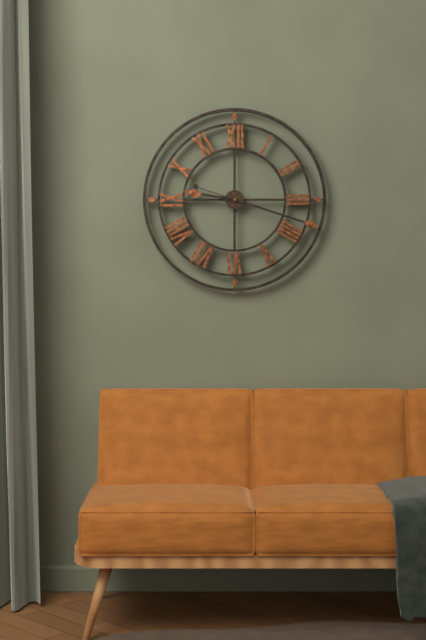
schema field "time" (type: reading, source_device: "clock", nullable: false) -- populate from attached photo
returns 9:18:48
